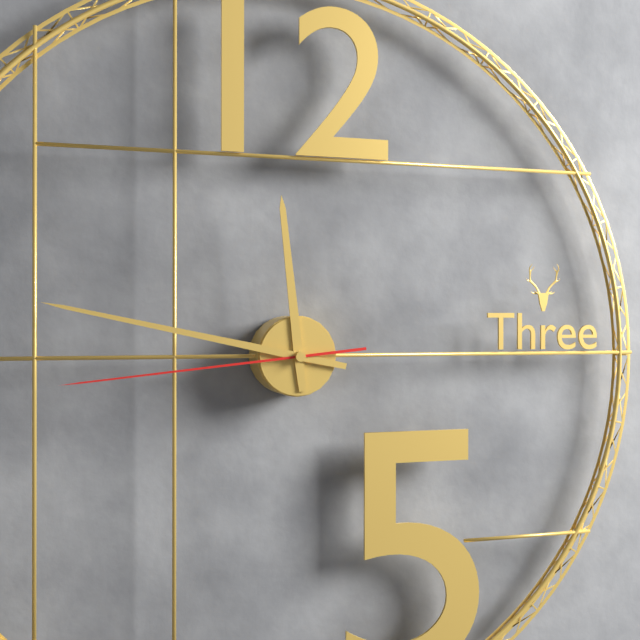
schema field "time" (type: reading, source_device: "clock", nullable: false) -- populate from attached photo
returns 11:47:44
